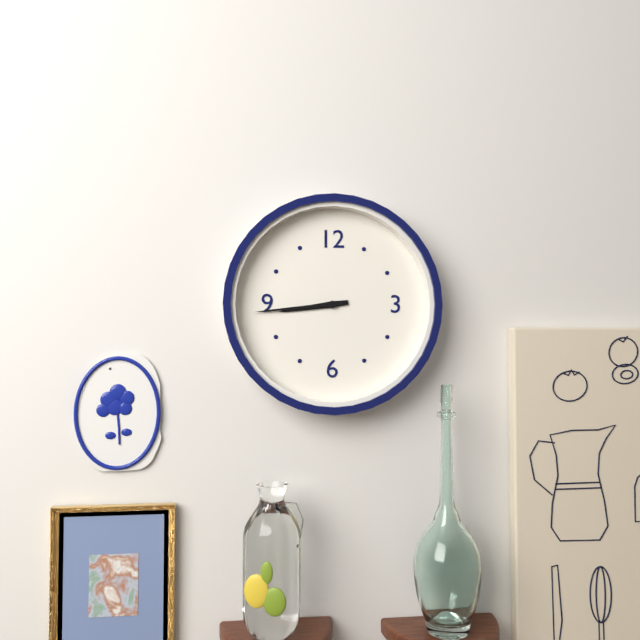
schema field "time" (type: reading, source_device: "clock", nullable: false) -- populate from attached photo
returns 8:44
